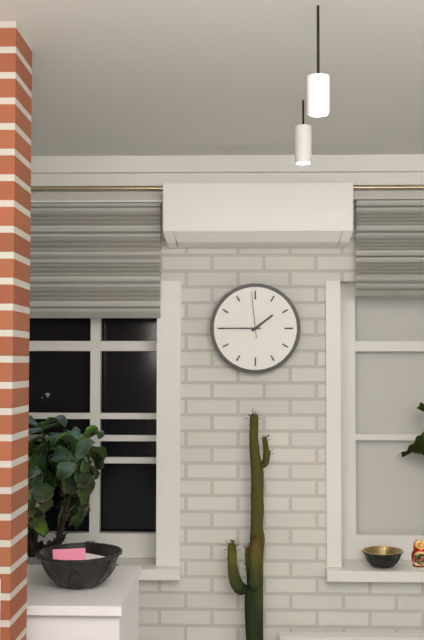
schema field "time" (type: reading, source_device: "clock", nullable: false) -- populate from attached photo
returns 1:45
